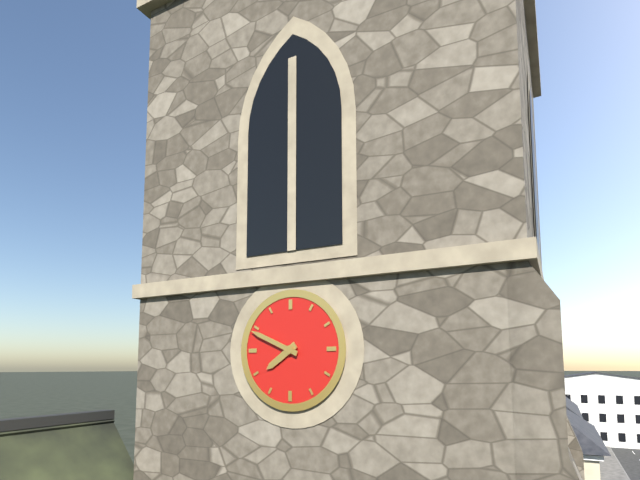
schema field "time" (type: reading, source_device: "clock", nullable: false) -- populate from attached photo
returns 7:49
